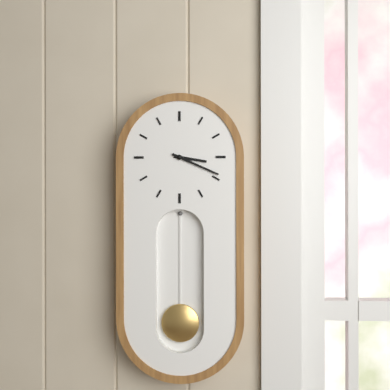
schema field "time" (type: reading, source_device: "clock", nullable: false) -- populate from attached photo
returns 3:19
